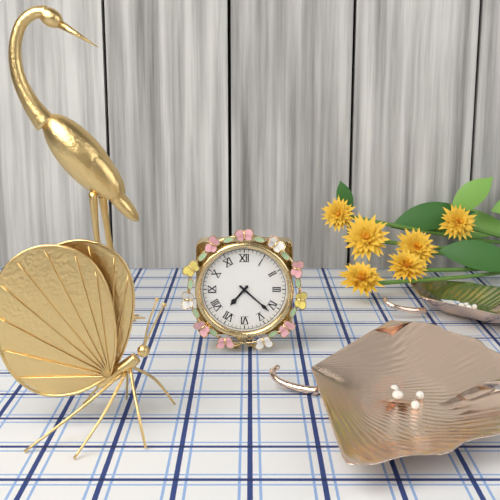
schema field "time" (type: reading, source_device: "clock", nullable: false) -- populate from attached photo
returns 7:22
